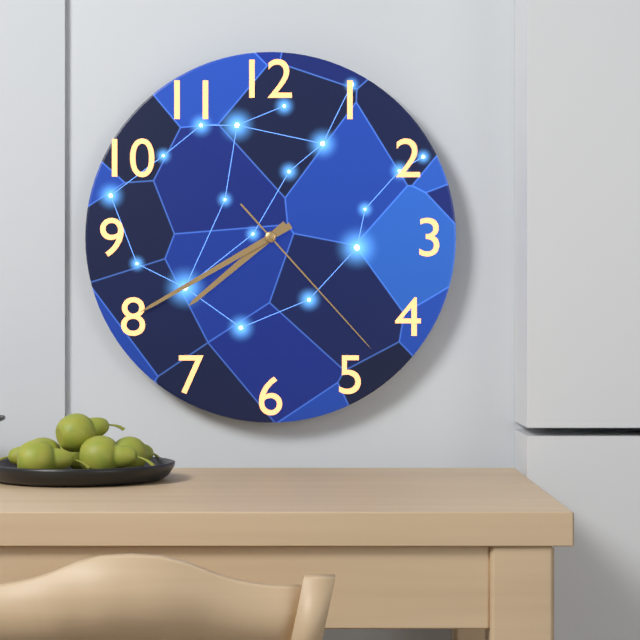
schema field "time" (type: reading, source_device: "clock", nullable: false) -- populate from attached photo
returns 7:40:23
